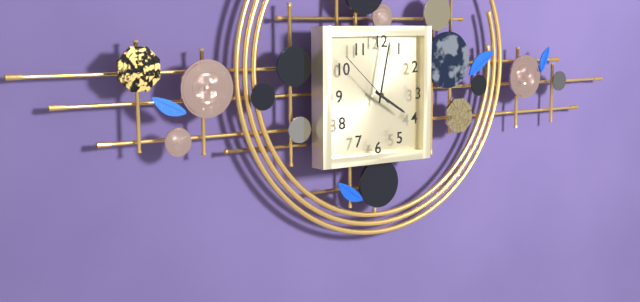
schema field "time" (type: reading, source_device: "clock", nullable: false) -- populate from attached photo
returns 4:02:52
